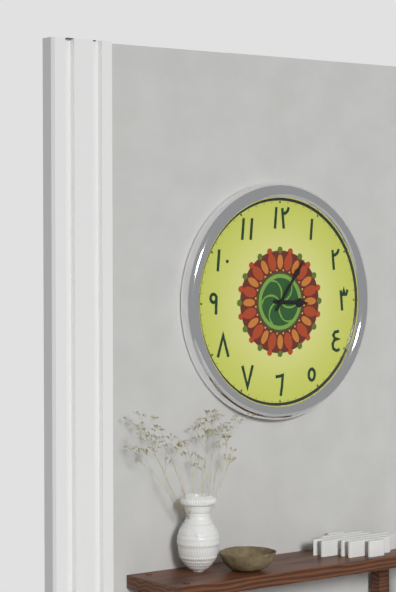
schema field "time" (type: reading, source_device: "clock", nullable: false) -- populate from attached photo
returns 3:06
